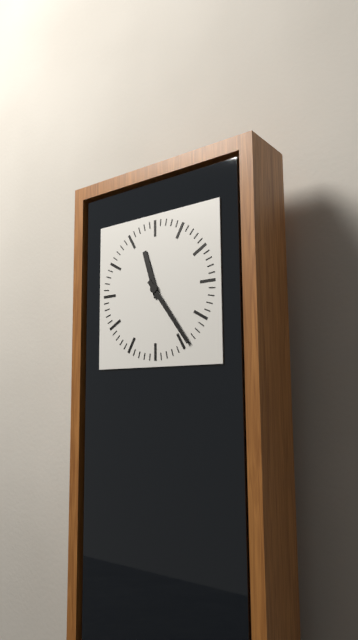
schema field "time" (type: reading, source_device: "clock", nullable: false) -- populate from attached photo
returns 11:24
